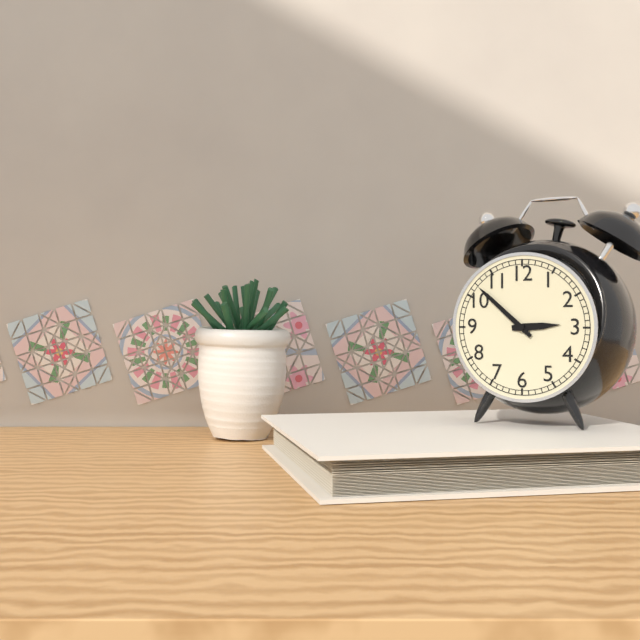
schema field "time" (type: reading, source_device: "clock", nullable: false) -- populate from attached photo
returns 2:52
